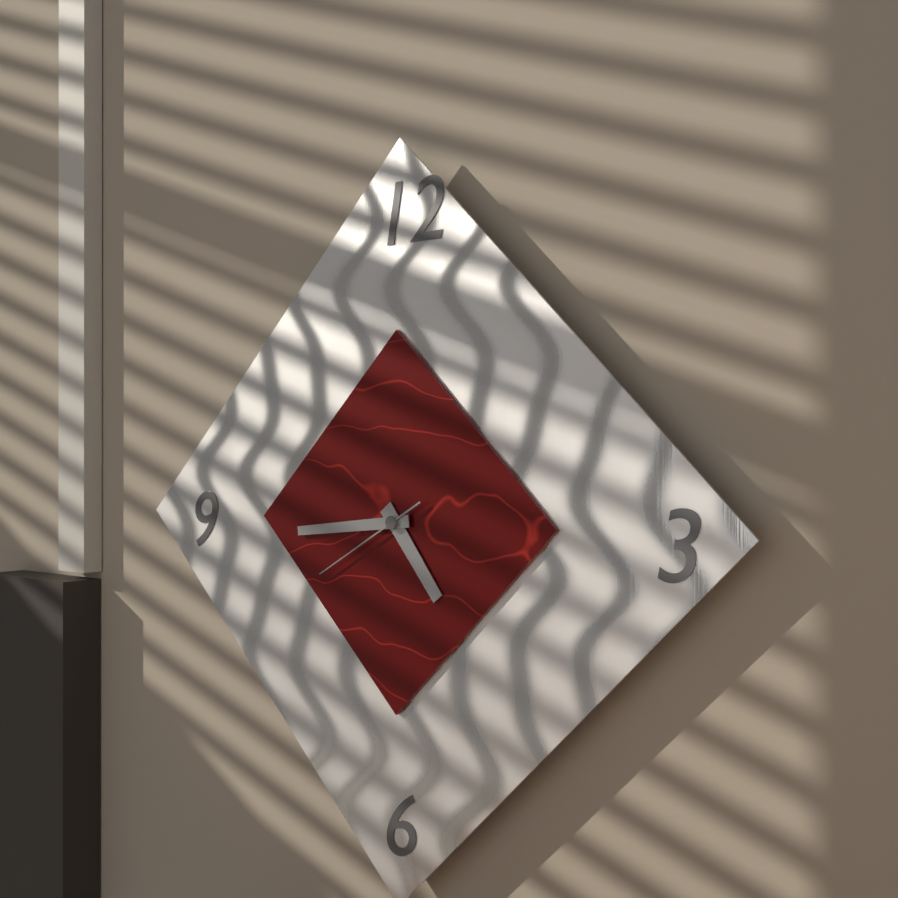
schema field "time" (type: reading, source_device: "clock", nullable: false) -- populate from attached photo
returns 4:44:40
